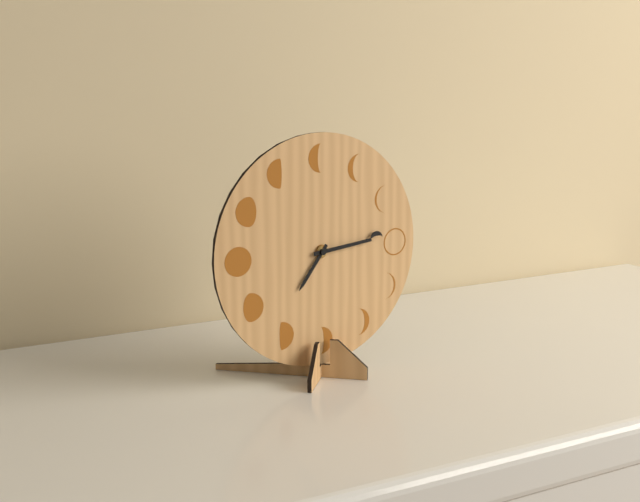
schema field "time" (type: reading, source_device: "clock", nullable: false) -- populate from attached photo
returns 7:14
